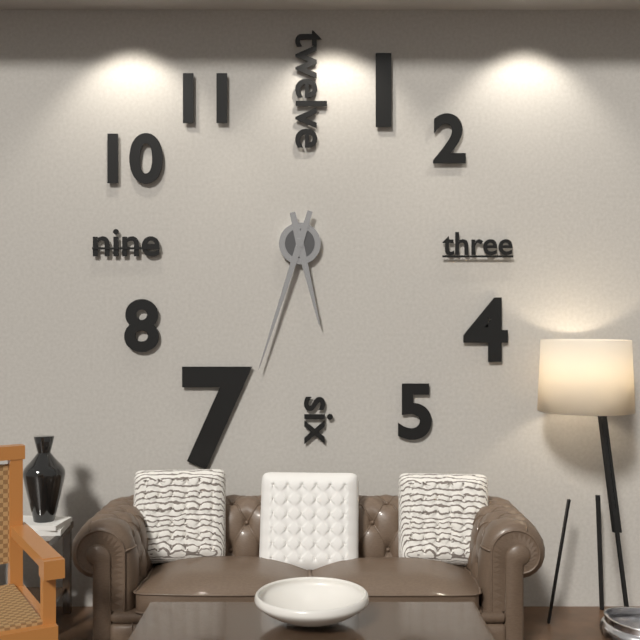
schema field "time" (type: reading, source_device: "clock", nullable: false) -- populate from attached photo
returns 5:33
